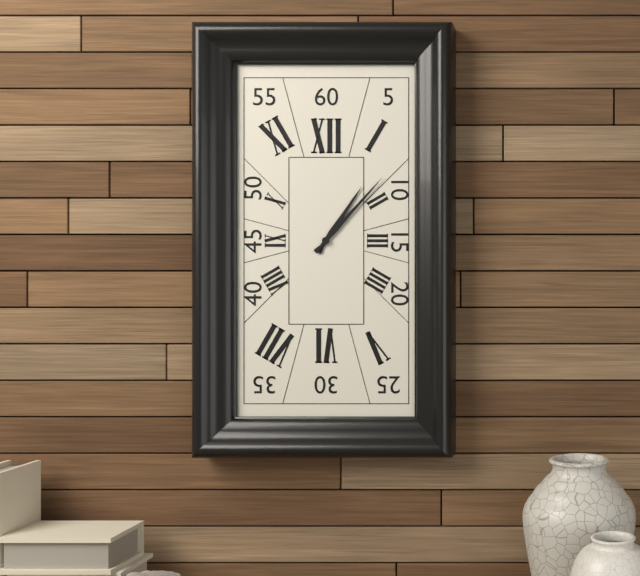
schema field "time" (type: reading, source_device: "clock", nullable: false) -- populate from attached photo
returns 1:07
